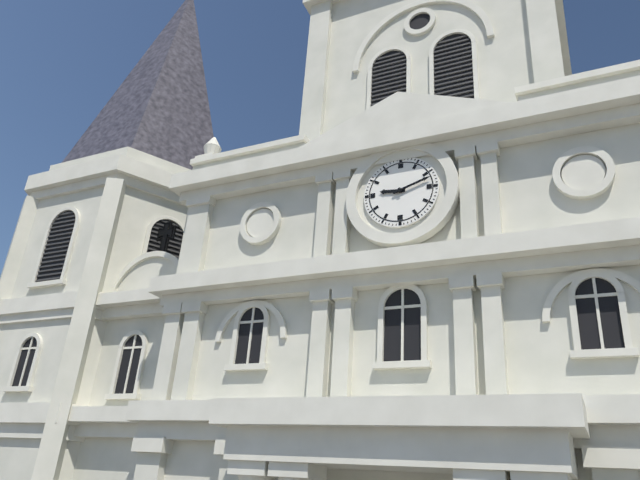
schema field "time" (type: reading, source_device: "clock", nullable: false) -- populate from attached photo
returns 9:12
